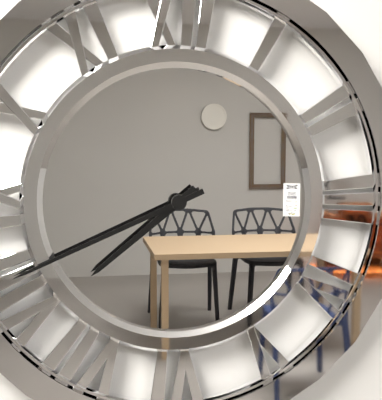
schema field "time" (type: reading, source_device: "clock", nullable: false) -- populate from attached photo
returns 7:41
